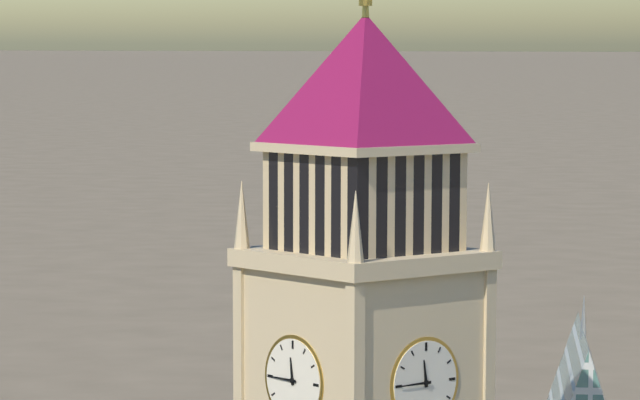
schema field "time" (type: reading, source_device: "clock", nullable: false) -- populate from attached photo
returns 11:45
